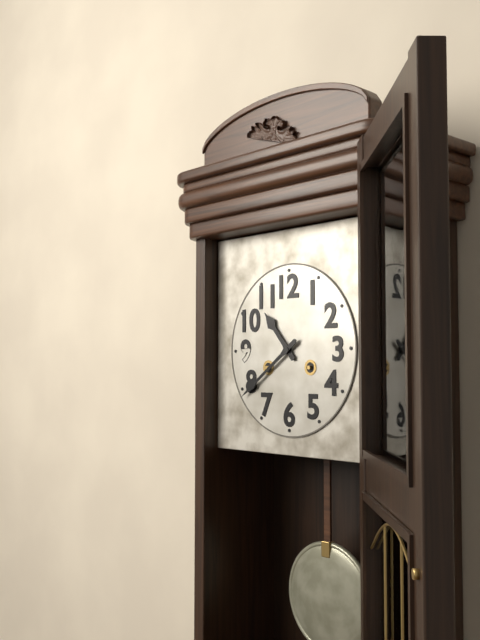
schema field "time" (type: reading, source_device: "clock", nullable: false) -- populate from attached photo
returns 10:39
